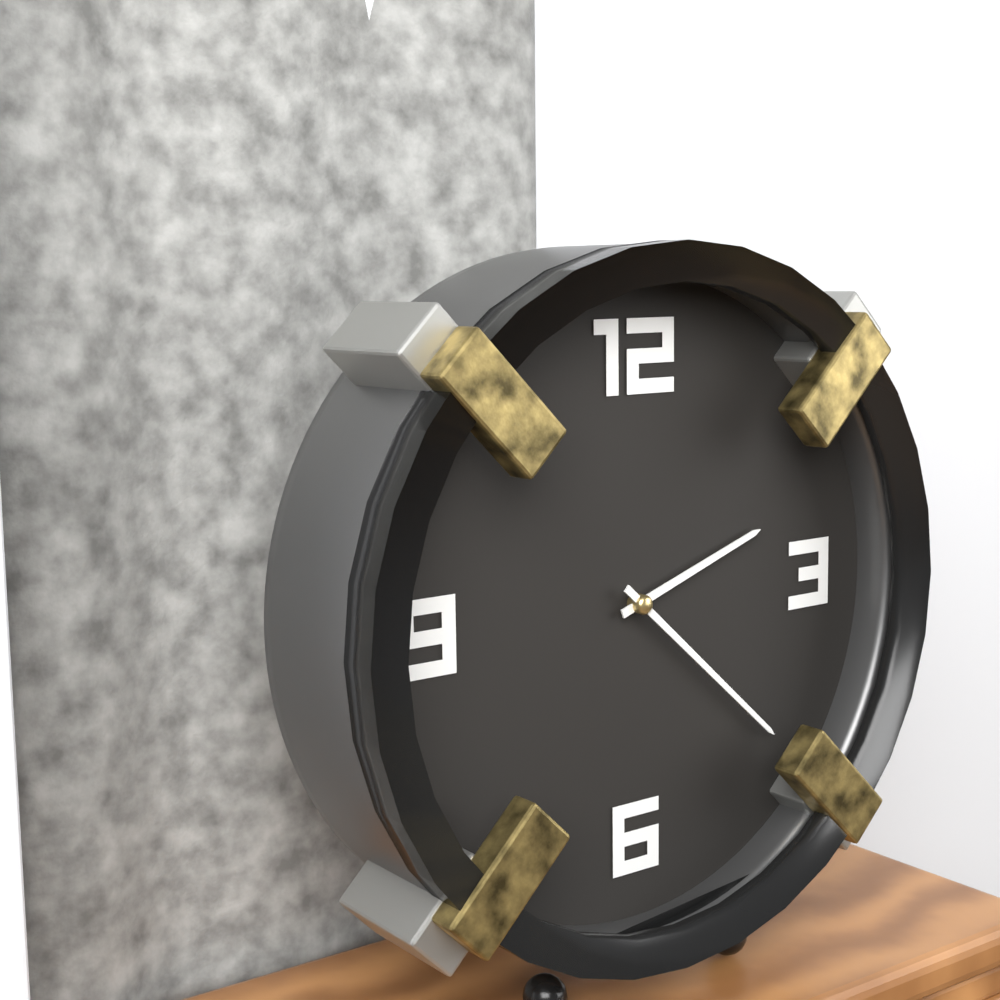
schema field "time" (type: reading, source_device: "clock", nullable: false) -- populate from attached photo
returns 2:22
